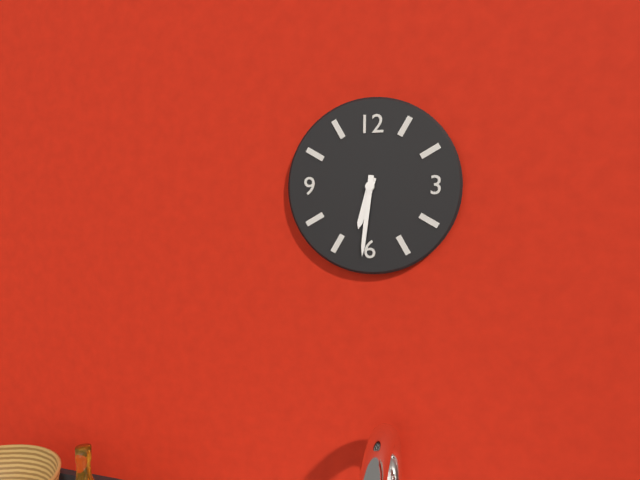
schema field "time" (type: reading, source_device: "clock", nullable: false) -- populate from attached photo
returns 6:31
